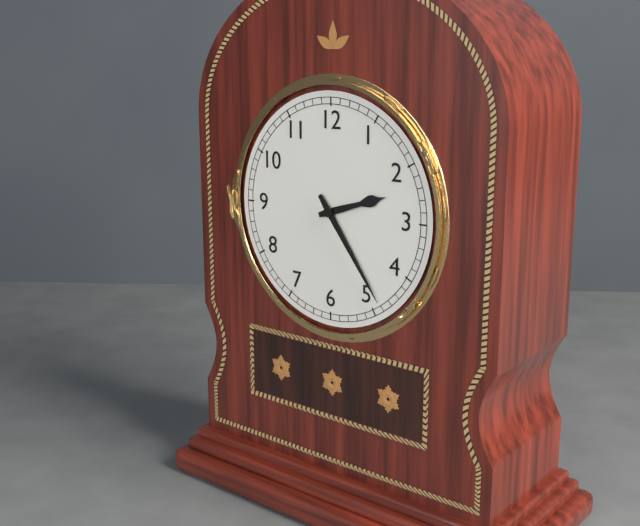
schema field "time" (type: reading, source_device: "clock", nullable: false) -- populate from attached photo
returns 2:24
